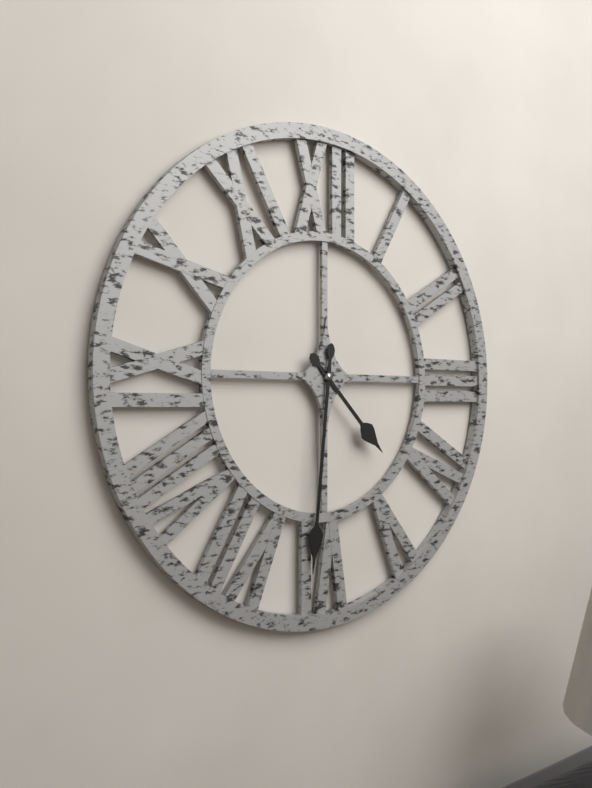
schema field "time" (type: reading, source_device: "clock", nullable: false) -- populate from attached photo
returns 4:31
